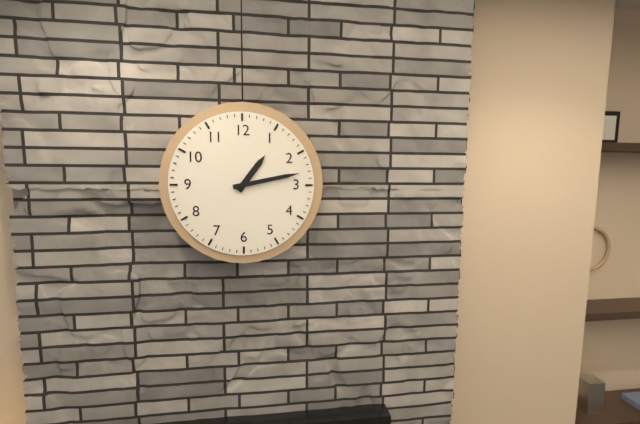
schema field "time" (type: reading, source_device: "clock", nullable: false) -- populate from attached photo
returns 1:13
